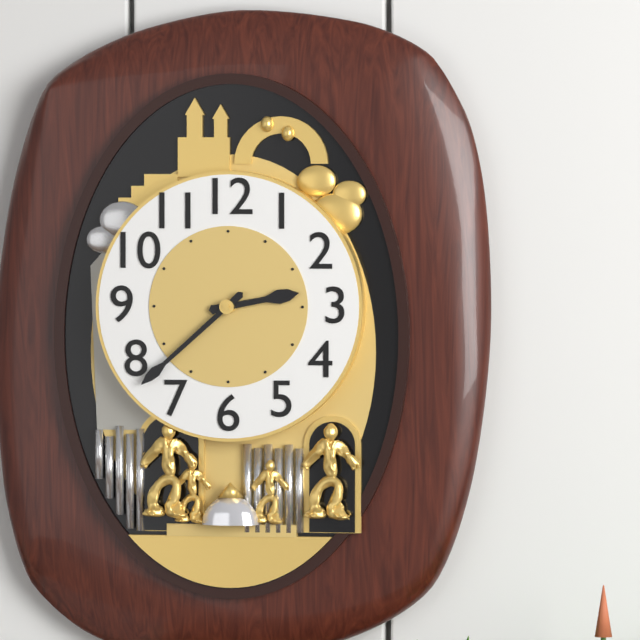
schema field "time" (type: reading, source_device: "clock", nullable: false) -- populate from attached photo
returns 2:38
